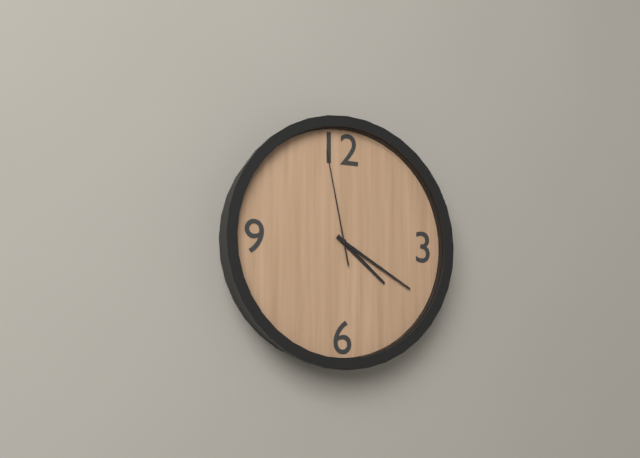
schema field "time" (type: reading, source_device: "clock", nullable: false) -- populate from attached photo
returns 4:20:58
